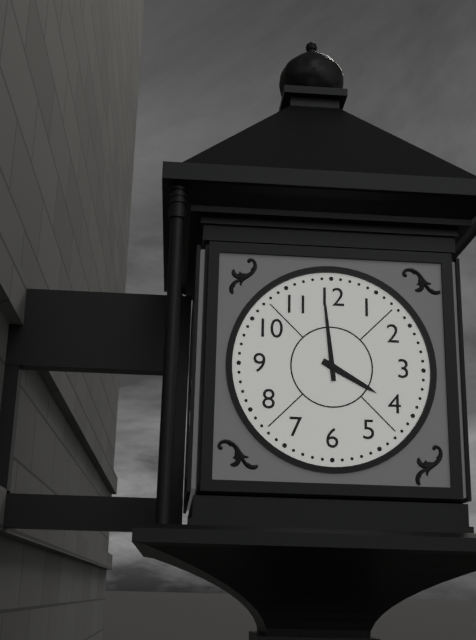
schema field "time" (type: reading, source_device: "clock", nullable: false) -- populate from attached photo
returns 3:59
